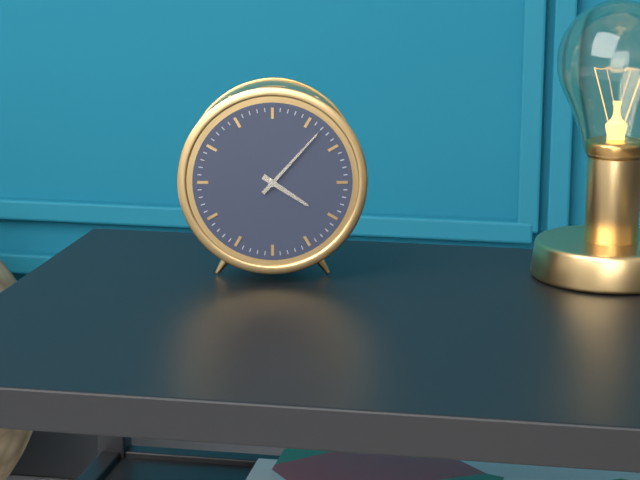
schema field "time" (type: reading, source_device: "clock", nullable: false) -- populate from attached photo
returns 4:07
